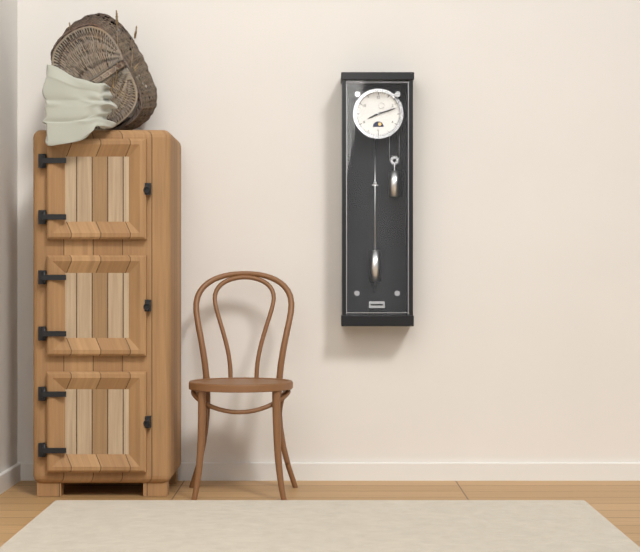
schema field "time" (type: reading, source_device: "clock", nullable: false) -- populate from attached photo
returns 8:12
